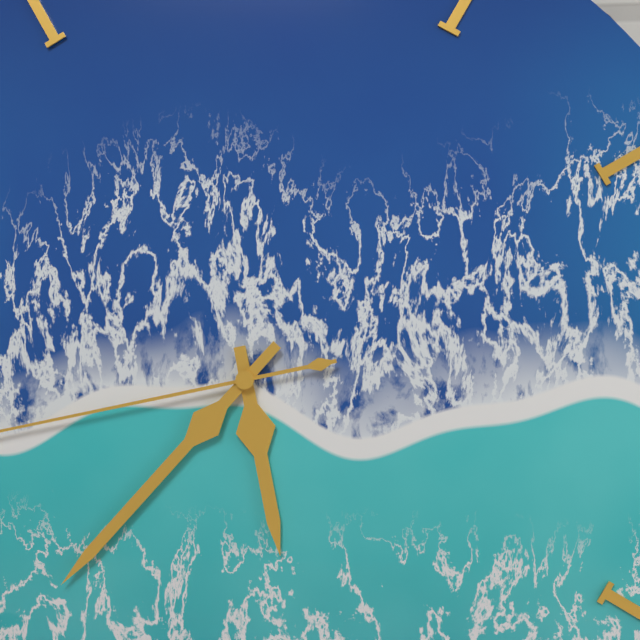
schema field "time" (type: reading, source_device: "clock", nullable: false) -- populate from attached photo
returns 5:37
